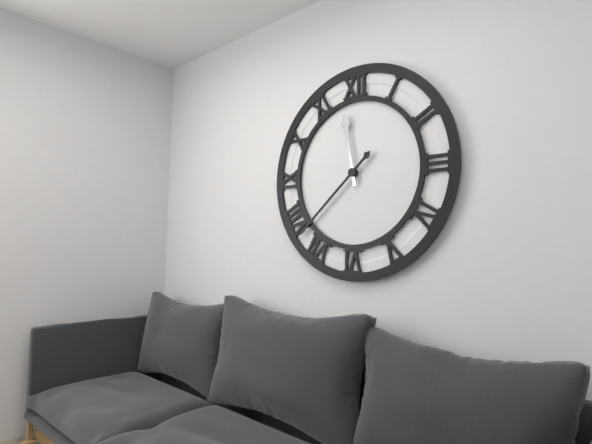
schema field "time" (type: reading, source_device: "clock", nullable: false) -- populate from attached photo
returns 11:38
